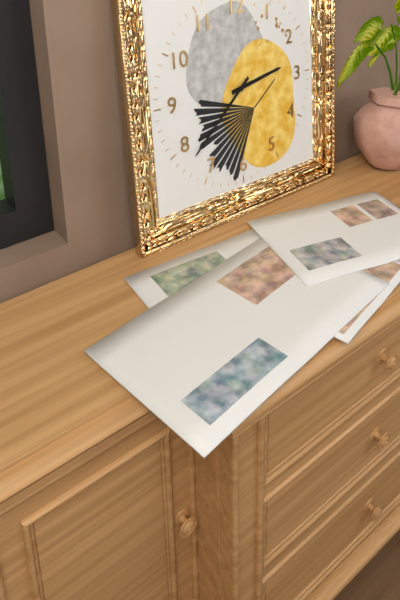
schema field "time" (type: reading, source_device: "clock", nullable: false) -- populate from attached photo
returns 2:38
